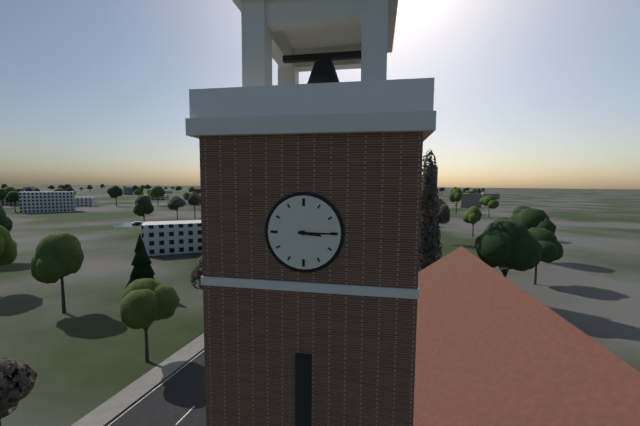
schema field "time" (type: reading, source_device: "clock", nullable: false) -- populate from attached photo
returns 3:15
